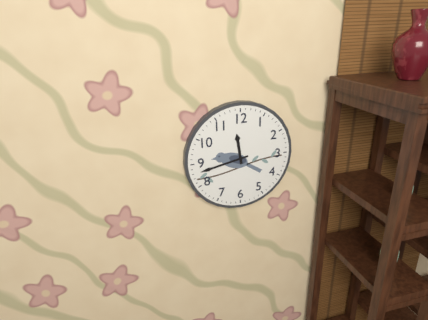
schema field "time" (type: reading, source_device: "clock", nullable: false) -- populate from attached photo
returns 11:43
